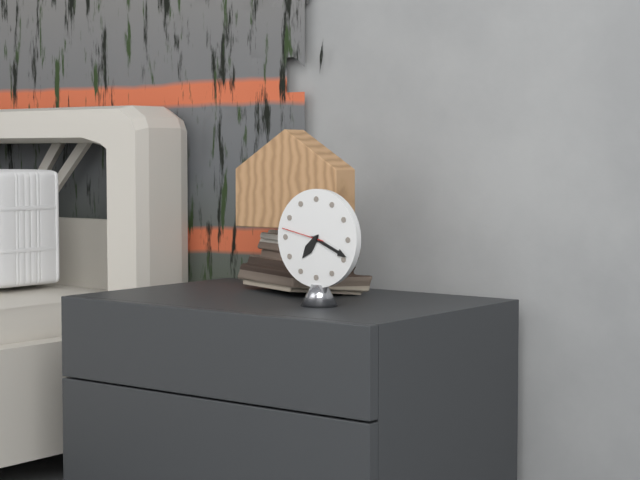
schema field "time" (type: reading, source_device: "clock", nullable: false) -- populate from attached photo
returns 7:19
